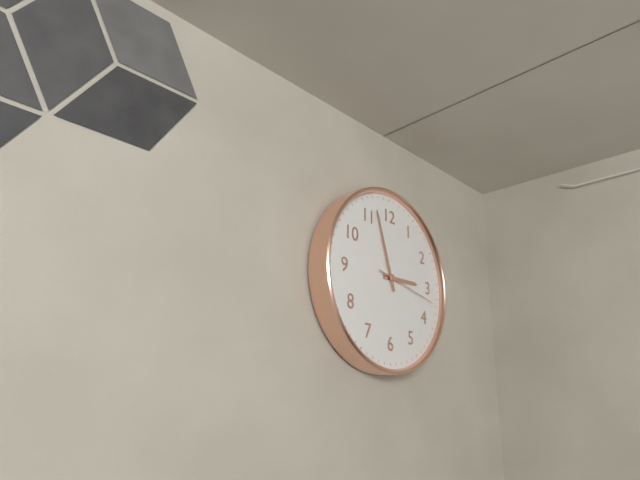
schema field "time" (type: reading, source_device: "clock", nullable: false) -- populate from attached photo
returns 2:57:17
